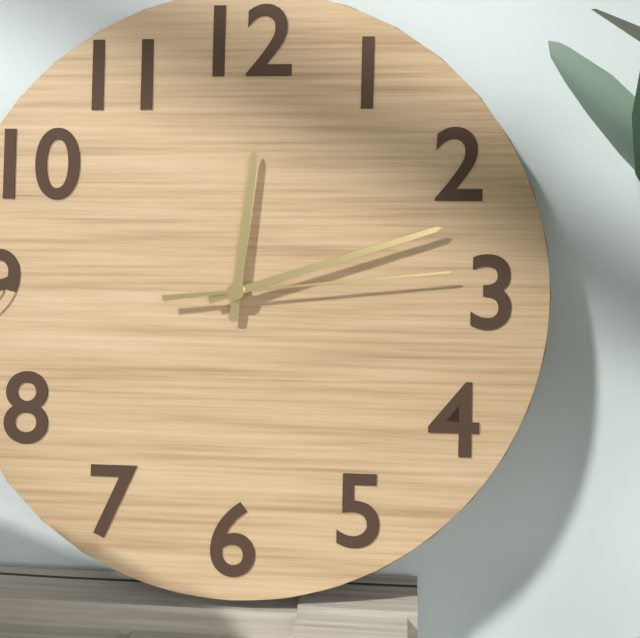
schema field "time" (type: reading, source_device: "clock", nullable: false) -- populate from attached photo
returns 12:12:14
